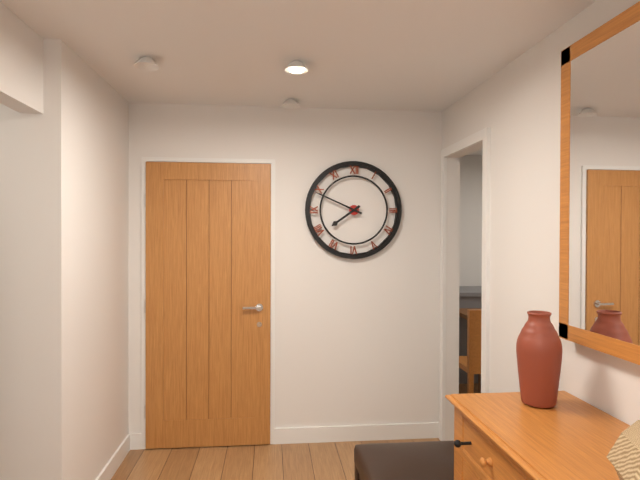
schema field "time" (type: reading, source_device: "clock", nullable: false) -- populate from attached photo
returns 7:49
